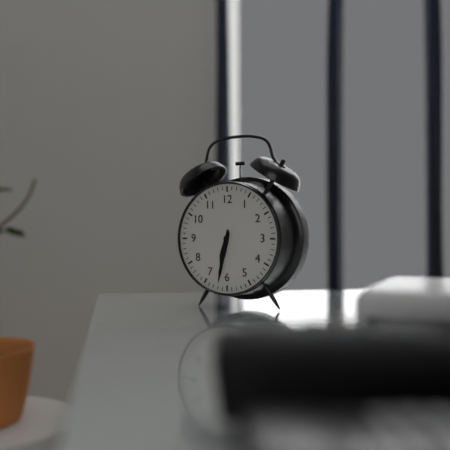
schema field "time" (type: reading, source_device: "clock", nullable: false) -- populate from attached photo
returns 6:32
